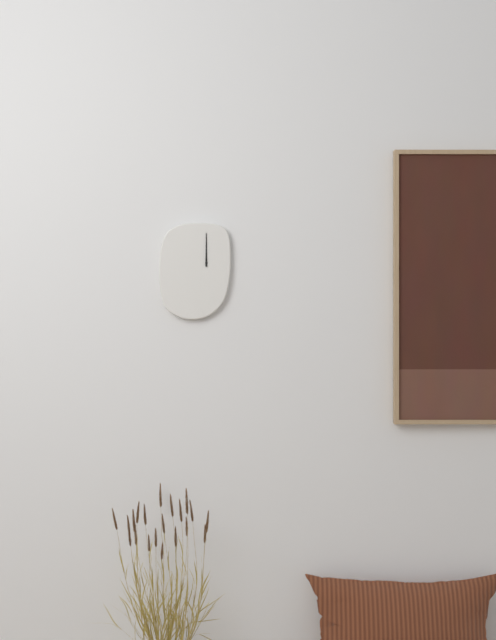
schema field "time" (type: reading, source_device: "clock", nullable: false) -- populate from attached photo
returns 12:00
